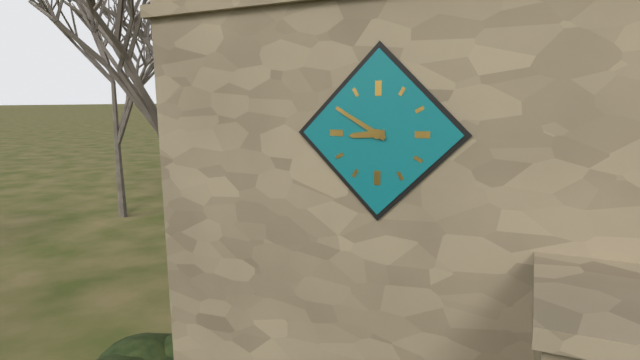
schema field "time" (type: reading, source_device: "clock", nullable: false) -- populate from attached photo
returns 8:50
